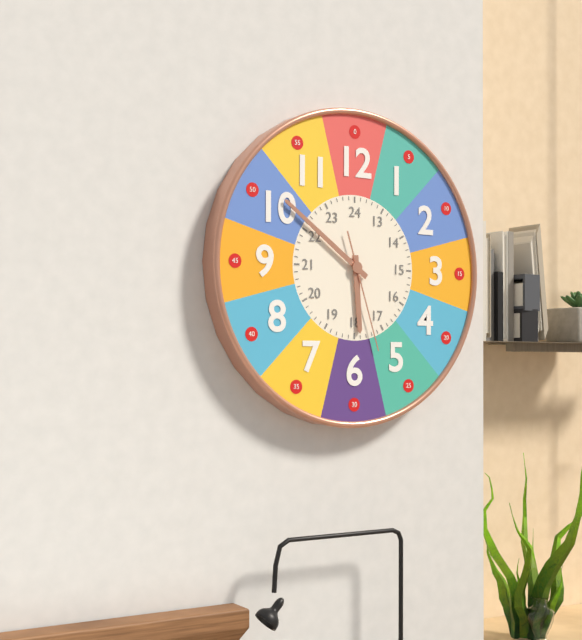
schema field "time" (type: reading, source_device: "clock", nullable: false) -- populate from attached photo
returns 5:51:27
